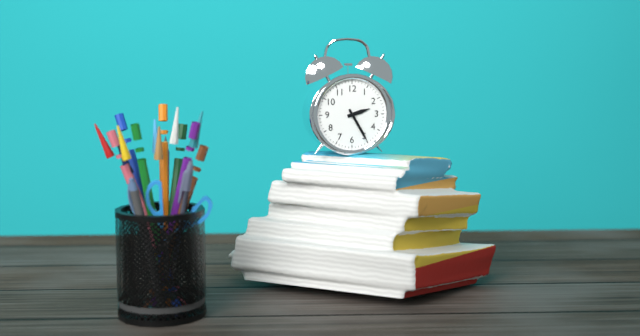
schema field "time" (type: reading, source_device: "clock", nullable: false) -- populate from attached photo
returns 2:25
